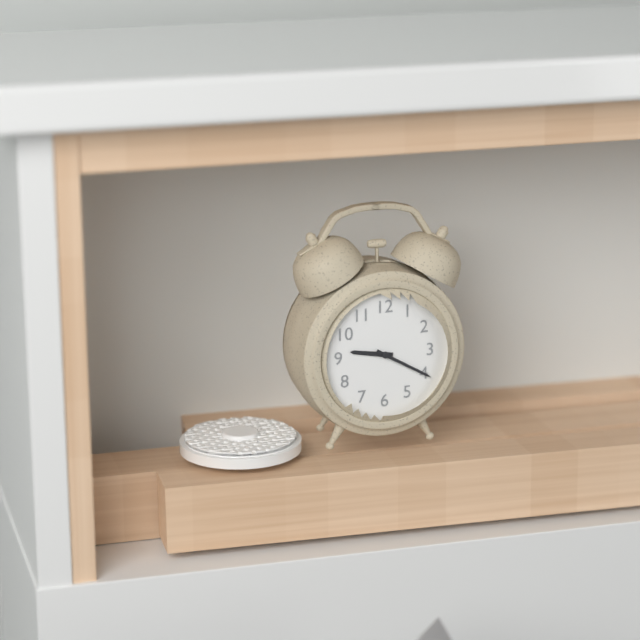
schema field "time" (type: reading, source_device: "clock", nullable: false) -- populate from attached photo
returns 9:20
